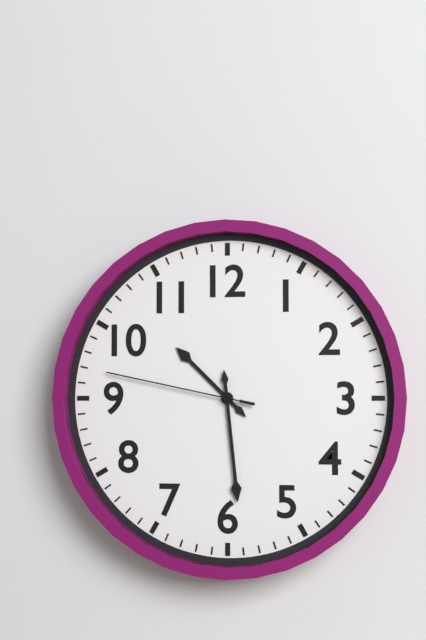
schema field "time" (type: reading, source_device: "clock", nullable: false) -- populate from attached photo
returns 10:29:47
